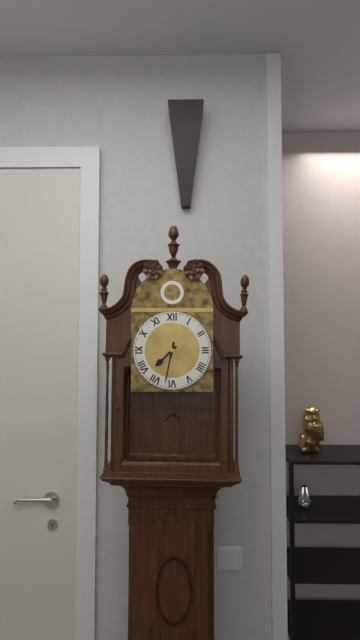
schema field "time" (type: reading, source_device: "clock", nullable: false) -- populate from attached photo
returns 7:32
